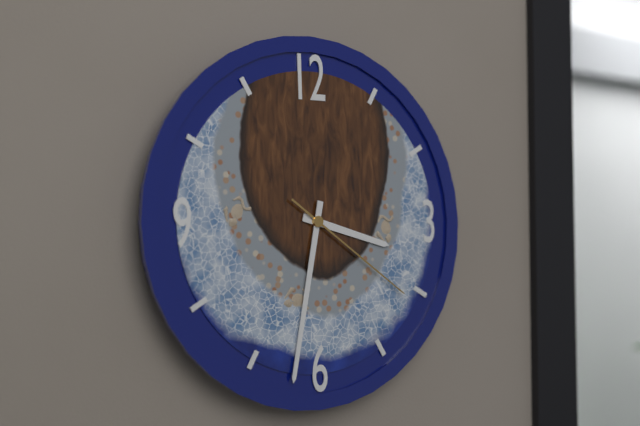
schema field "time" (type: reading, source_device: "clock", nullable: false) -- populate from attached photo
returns 3:32:21
